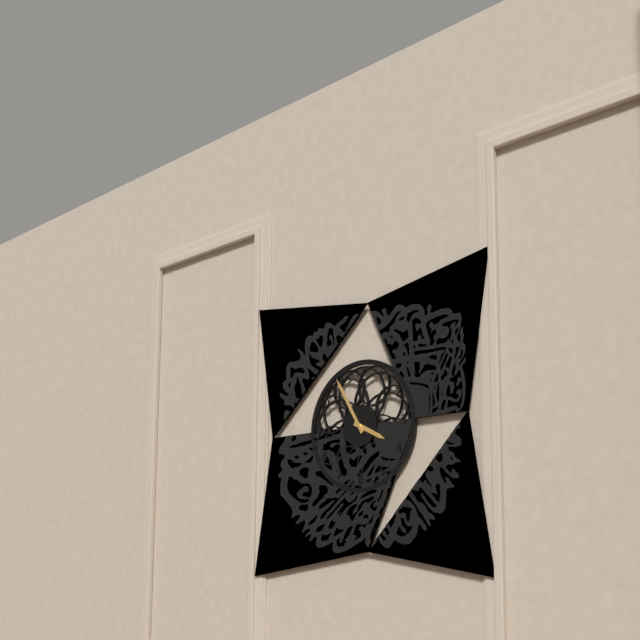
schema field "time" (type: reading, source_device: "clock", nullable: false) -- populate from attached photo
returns 3:55
